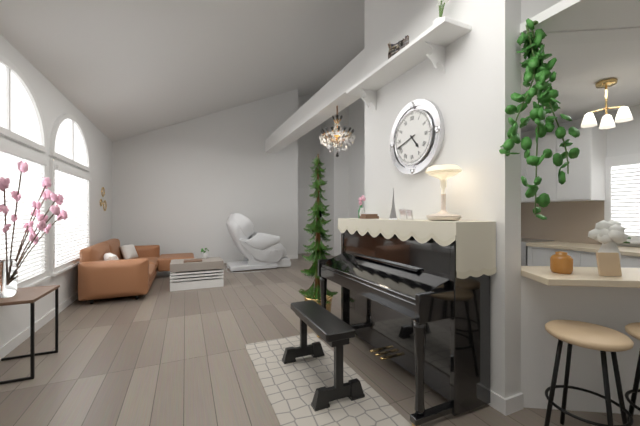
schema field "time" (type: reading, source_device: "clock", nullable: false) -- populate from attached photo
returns 4:42
